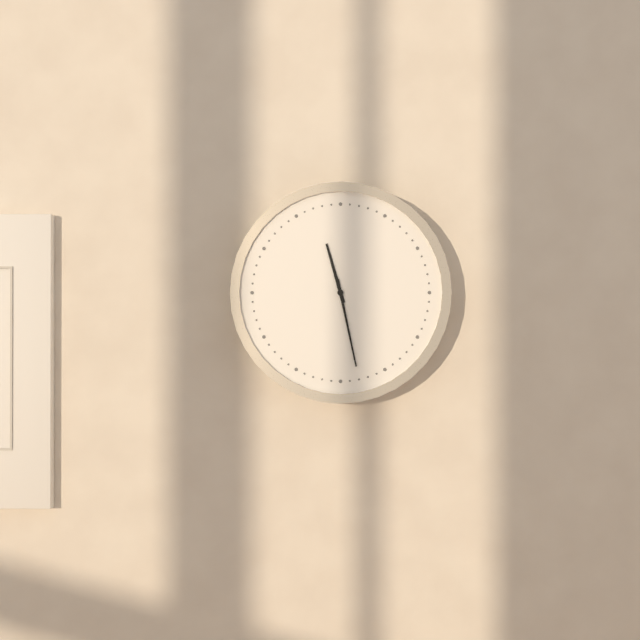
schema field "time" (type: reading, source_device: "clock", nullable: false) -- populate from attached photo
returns 11:28
